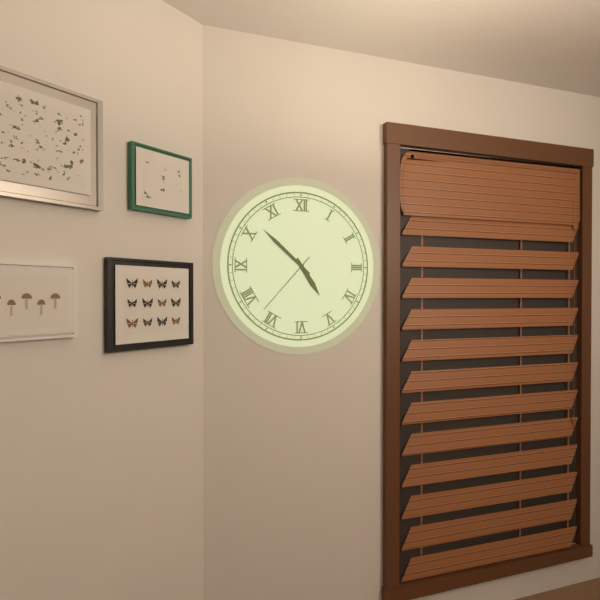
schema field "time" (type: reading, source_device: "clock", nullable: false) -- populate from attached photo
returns 4:52:37
